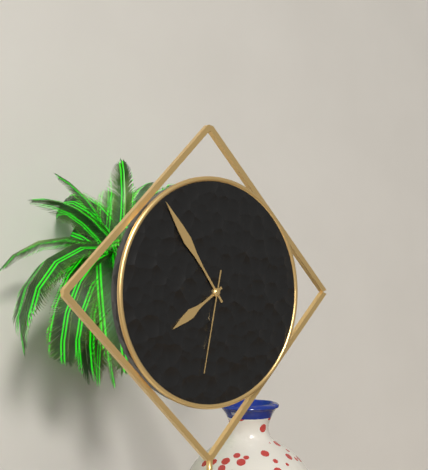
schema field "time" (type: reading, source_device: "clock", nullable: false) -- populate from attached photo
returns 7:54:32
